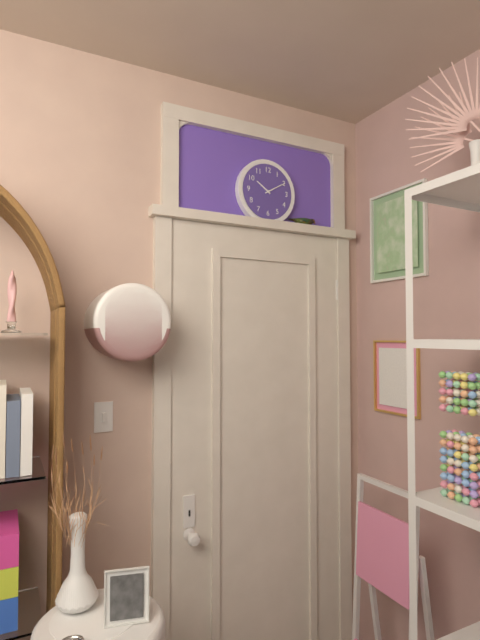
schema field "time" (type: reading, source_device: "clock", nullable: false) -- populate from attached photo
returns 10:10
